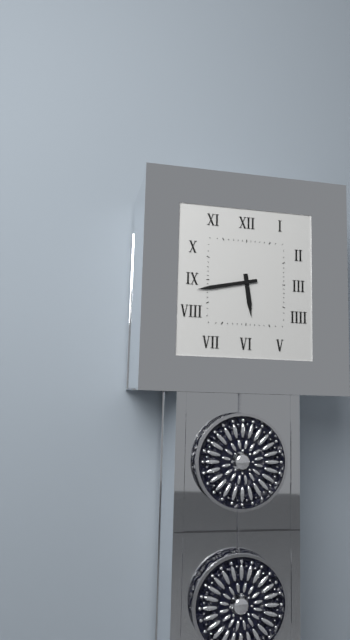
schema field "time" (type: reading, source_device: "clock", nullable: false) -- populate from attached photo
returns 5:43
